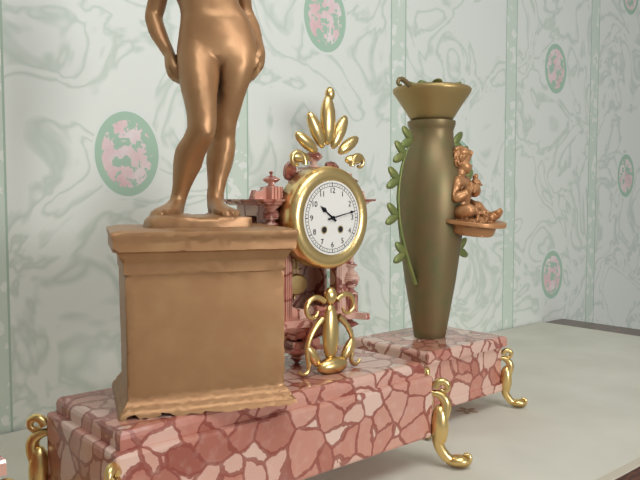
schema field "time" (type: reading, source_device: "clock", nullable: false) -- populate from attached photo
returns 10:13
